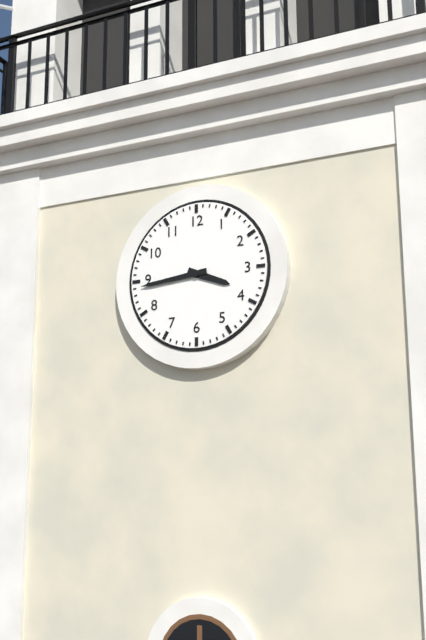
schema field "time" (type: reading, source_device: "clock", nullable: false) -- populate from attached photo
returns 3:44
